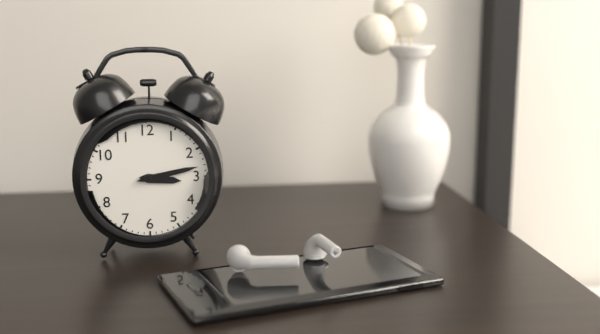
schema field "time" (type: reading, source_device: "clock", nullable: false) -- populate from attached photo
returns 3:13
